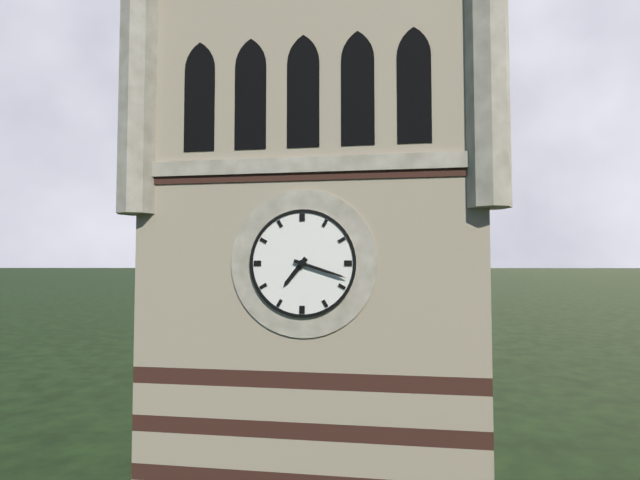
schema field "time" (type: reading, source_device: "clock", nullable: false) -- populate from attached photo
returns 7:18
